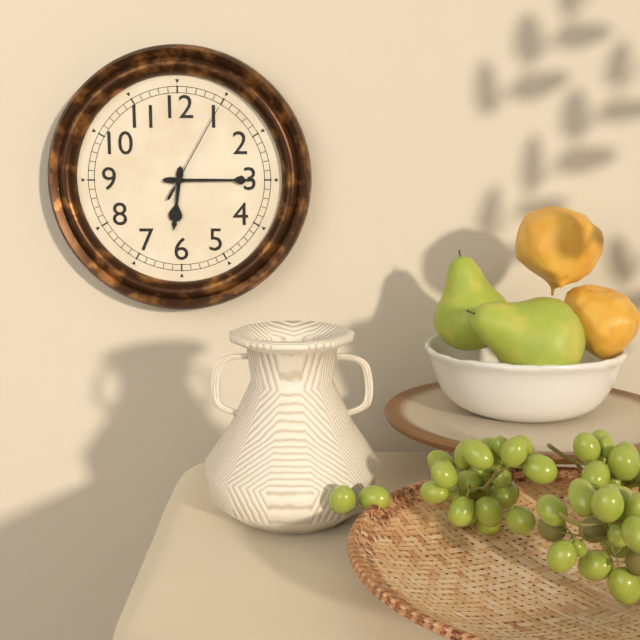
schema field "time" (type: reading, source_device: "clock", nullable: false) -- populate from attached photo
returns 6:15:05
